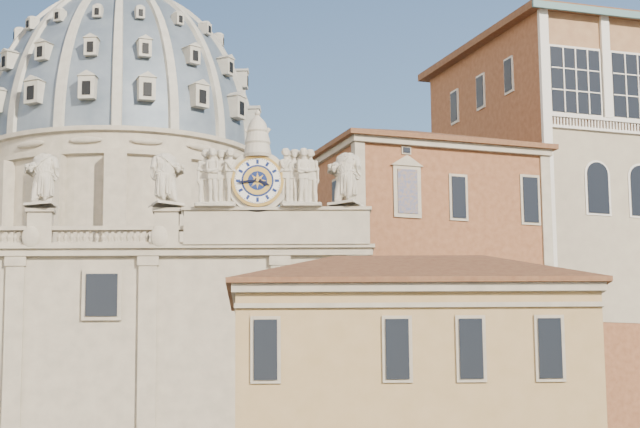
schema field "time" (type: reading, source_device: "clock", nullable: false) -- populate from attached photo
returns 3:44
